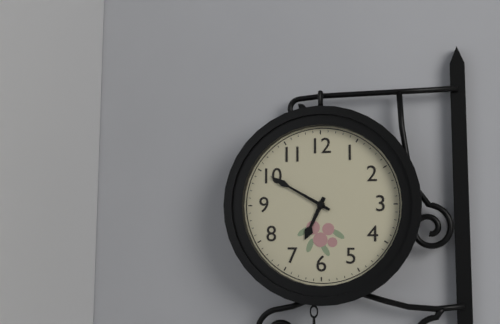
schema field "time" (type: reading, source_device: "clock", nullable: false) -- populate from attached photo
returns 6:50
